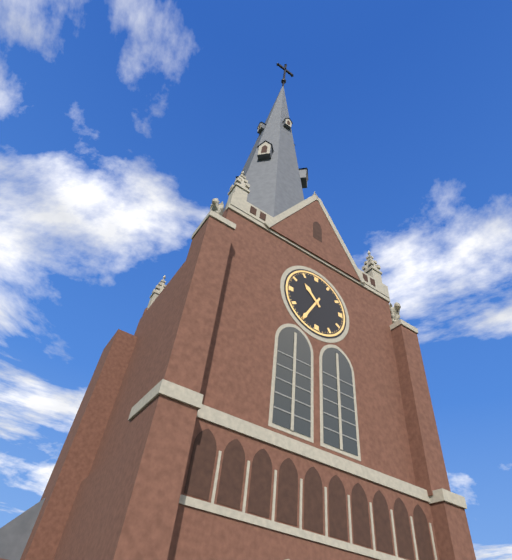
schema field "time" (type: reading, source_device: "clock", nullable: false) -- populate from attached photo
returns 10:35
